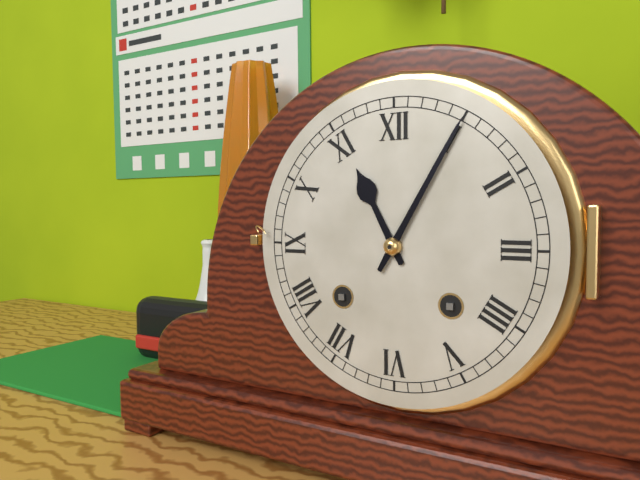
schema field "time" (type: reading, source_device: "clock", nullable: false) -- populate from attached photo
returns 11:05
